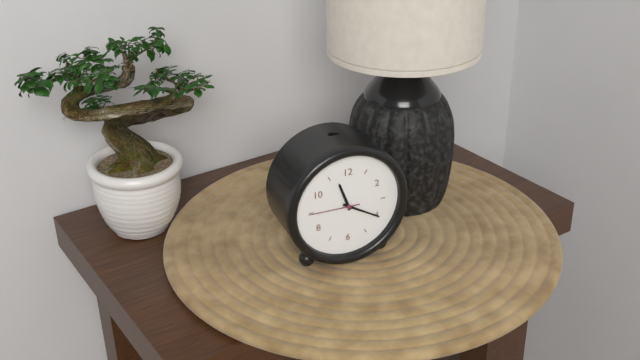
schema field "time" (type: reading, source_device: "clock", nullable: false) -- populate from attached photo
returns 11:20:45
